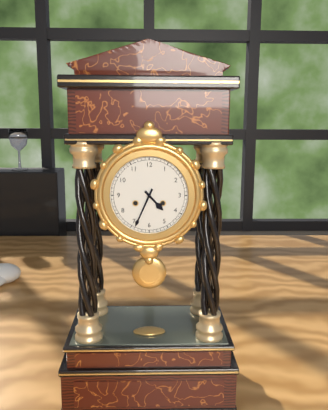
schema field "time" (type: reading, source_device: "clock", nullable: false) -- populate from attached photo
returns 4:34
